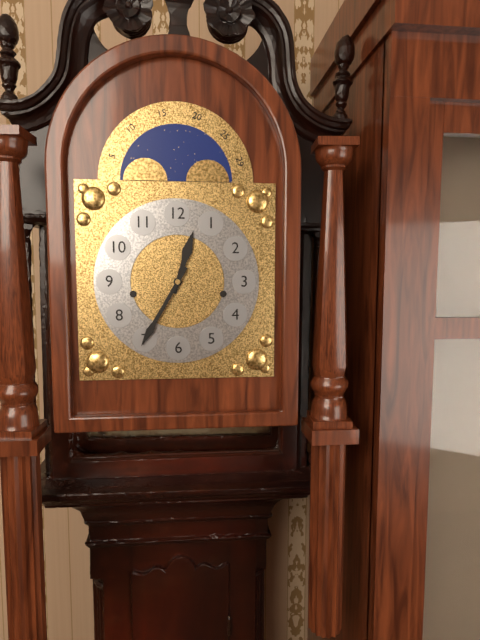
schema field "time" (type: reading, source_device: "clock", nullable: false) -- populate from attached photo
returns 12:35
